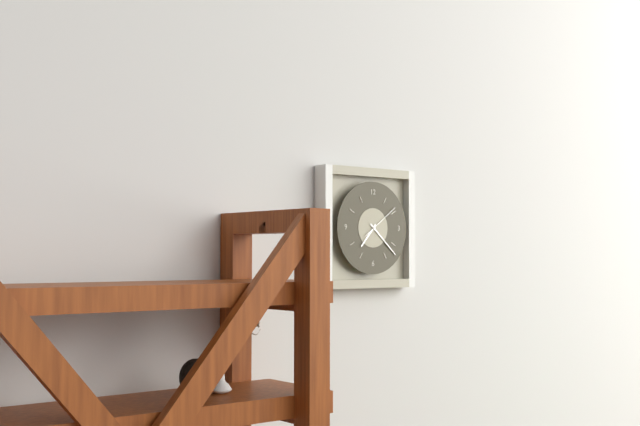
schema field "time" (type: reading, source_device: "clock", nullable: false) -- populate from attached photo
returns 7:22
